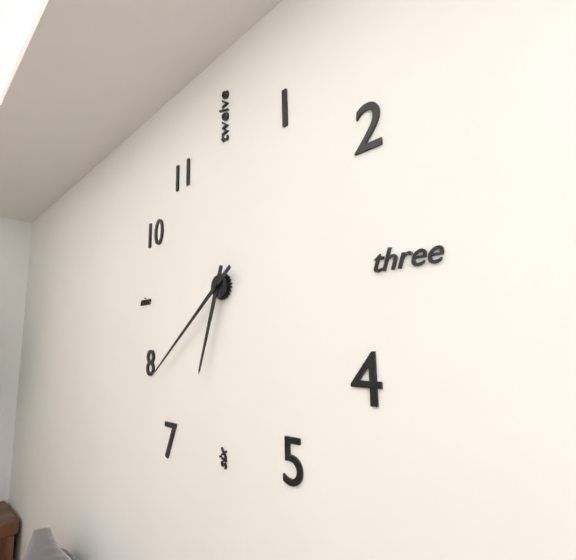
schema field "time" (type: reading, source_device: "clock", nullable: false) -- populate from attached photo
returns 6:39
